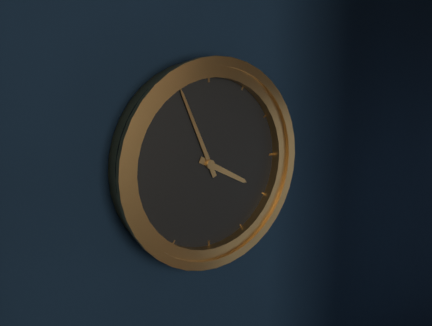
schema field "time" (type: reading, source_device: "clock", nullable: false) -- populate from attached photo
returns 3:56
